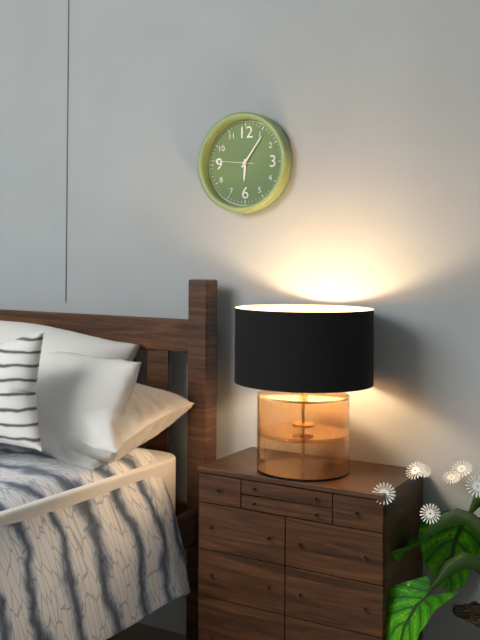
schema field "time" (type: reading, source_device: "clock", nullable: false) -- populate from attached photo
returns 6:06
